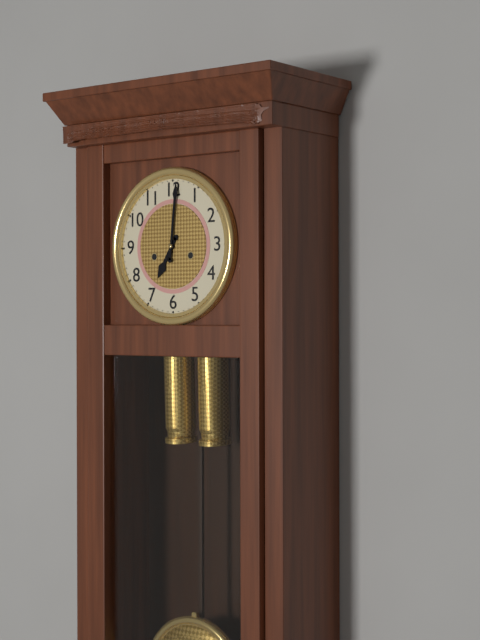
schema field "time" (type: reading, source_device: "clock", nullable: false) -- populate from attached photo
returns 7:01
